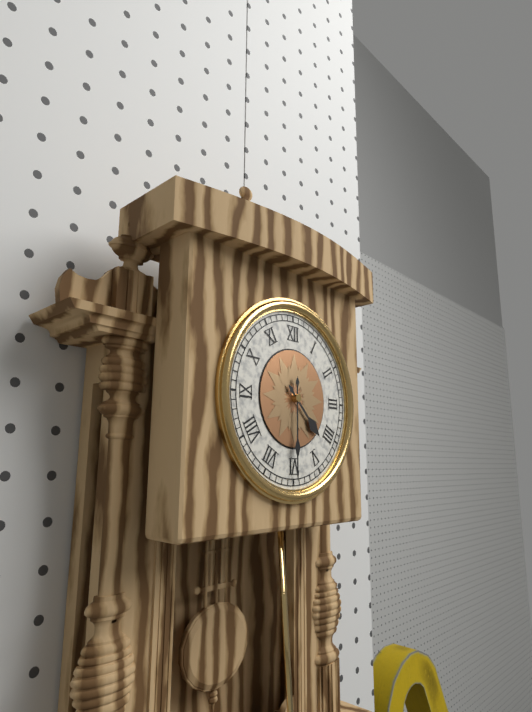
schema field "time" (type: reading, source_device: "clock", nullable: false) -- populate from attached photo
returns 4:30
